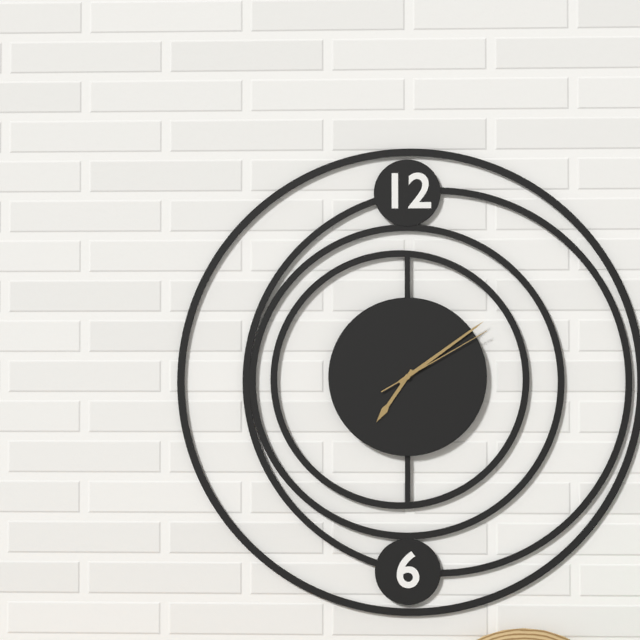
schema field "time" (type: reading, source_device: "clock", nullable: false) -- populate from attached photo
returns 7:09:10
